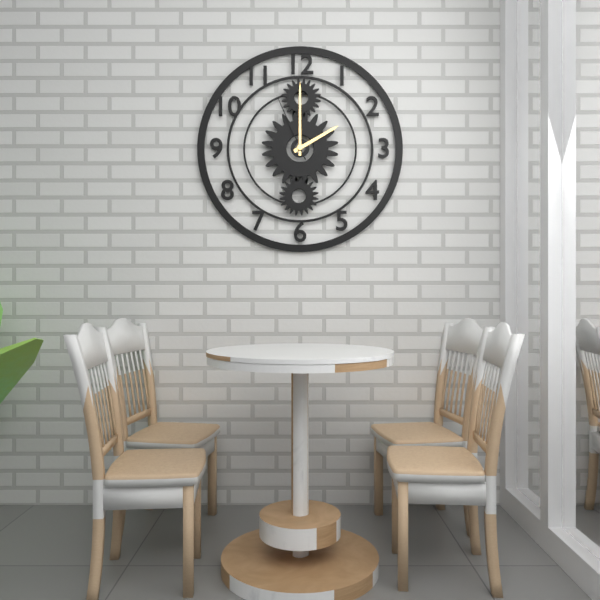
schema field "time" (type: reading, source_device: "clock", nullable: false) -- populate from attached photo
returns 2:00:56
